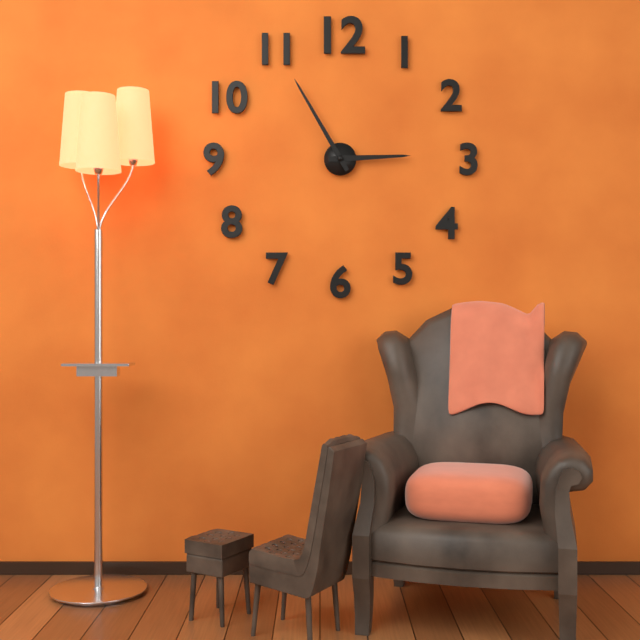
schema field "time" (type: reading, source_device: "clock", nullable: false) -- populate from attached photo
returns 2:55
